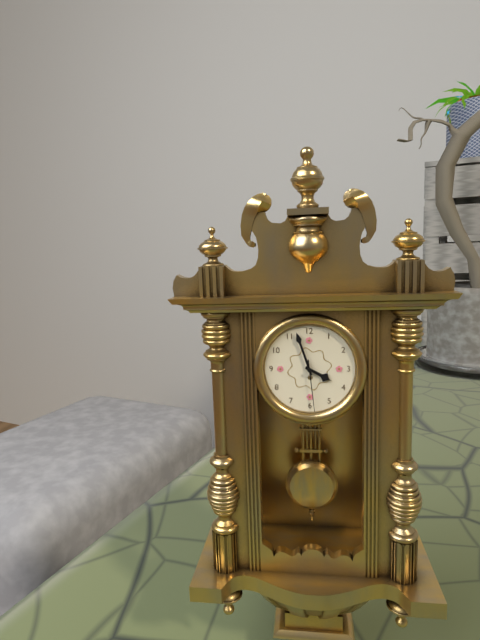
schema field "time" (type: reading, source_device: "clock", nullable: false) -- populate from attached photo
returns 3:57:29
